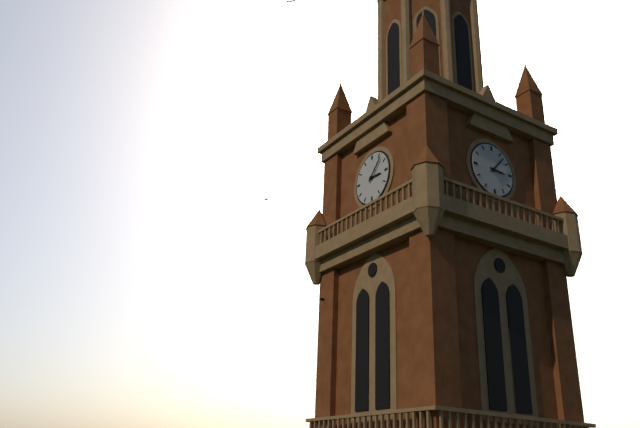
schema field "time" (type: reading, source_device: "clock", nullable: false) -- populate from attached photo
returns 3:07
